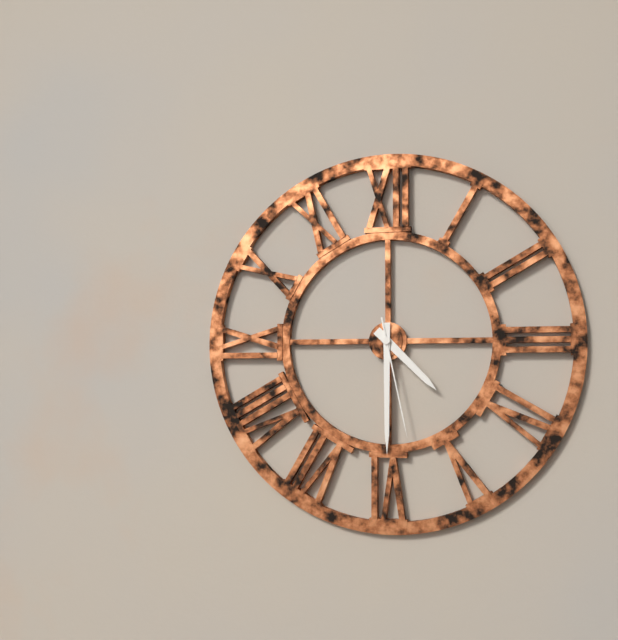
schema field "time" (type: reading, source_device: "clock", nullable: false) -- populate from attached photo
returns 4:30:28
